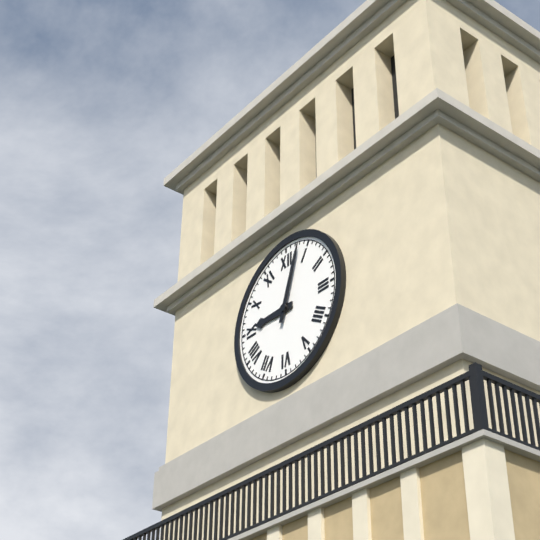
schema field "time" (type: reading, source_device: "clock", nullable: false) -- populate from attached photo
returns 9:03
